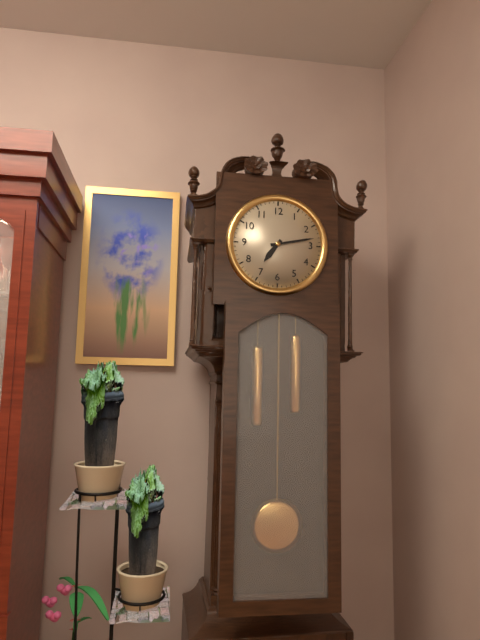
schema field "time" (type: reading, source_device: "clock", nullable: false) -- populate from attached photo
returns 7:13
